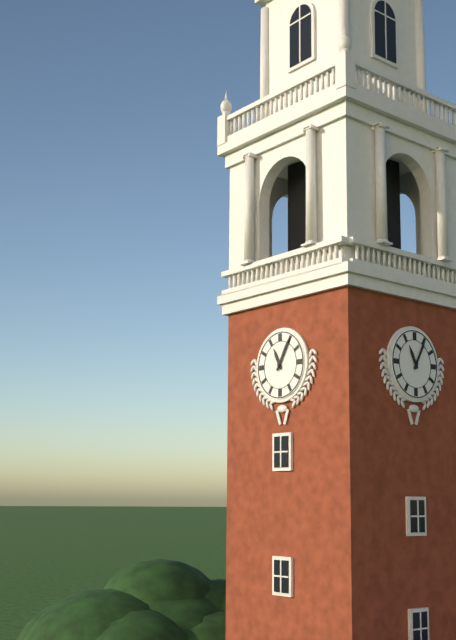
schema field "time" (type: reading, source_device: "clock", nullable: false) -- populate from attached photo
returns 11:05
